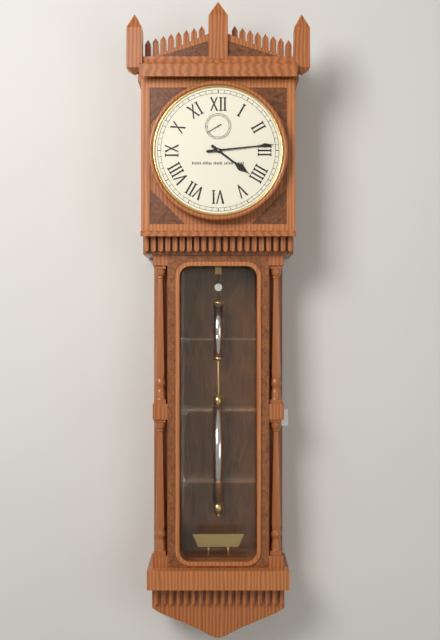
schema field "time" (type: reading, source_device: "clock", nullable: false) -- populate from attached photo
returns 4:14
